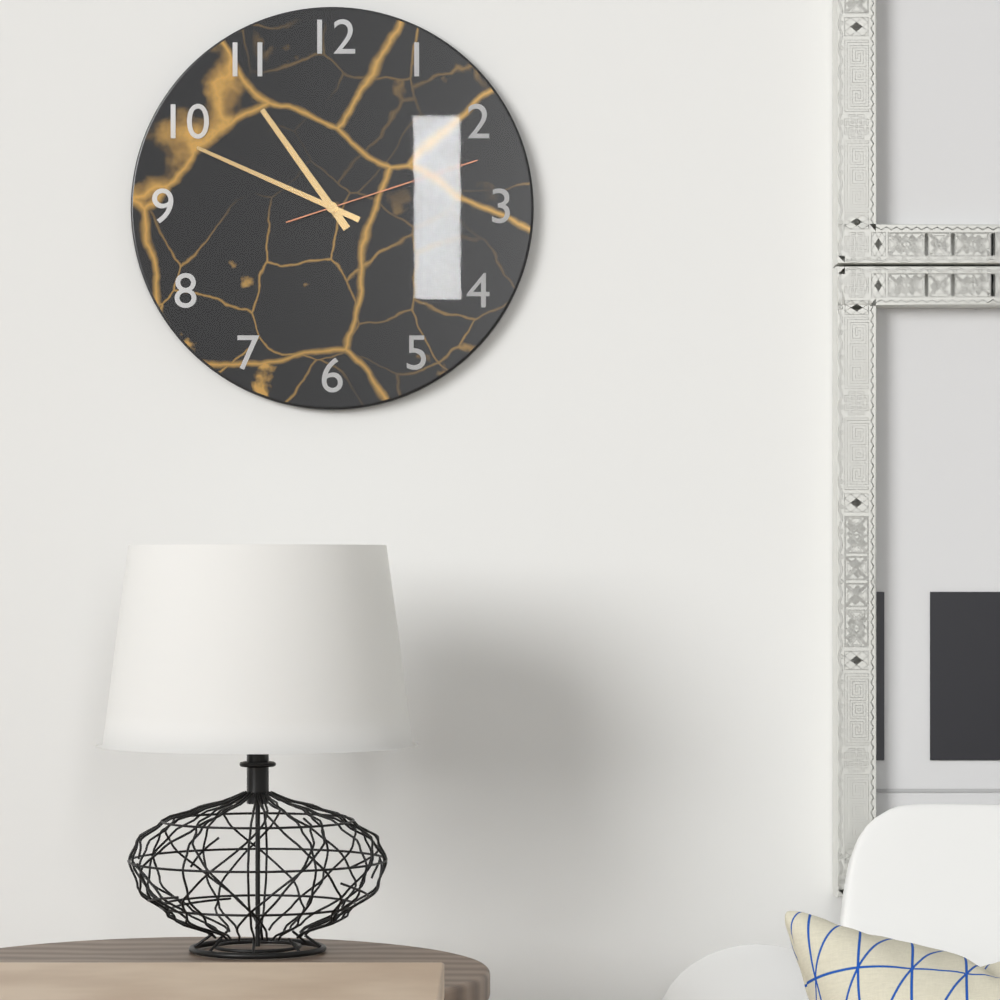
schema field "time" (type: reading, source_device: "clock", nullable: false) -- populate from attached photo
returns 10:49:12
